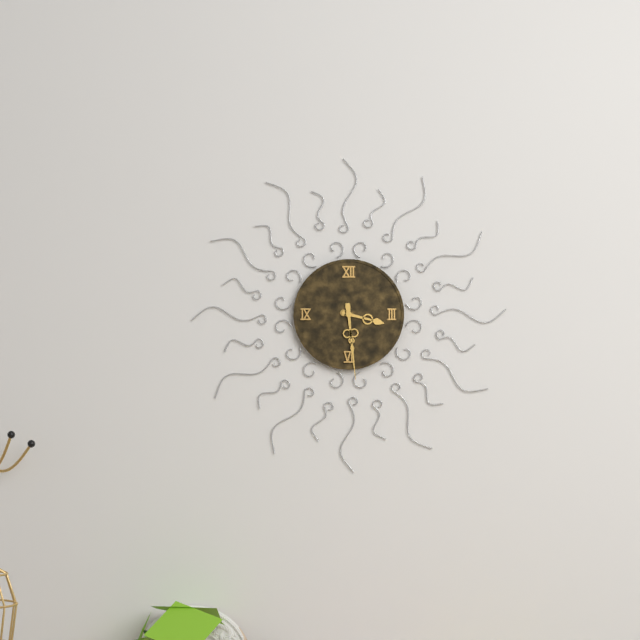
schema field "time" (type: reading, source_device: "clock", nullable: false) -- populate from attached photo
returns 3:29
